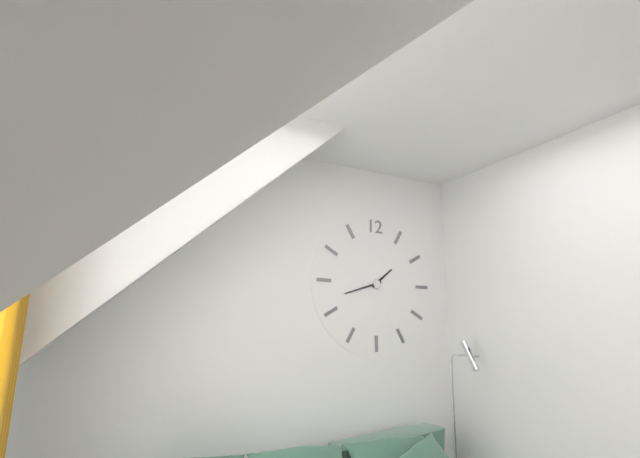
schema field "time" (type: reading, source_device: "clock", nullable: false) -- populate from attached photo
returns 1:42
